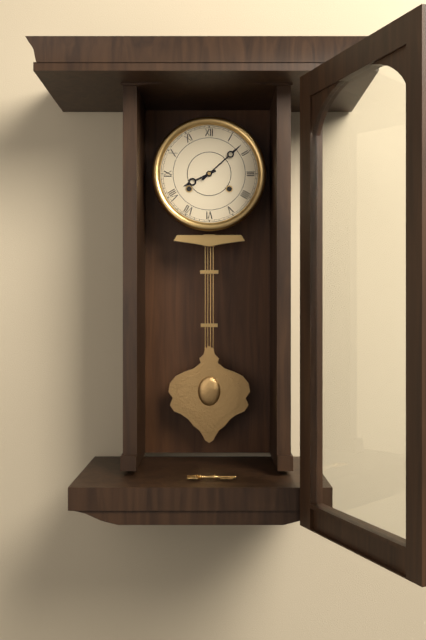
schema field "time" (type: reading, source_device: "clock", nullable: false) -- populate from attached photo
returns 8:08
